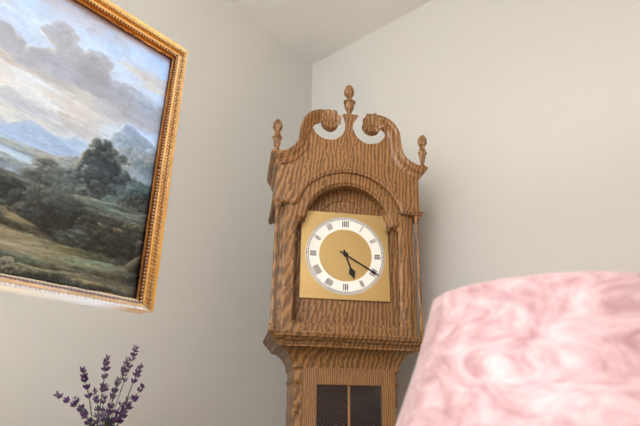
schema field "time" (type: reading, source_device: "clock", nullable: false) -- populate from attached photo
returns 5:20
